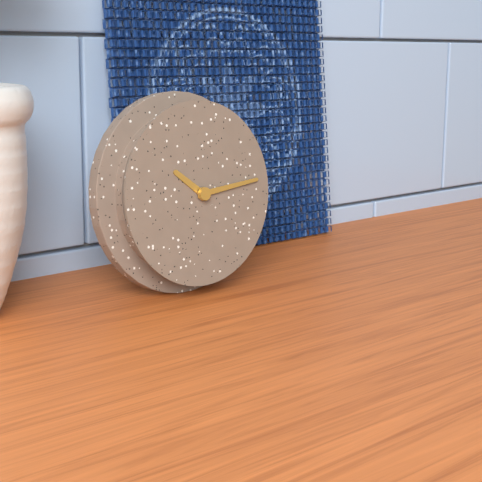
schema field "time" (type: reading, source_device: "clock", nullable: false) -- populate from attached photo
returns 10:14
